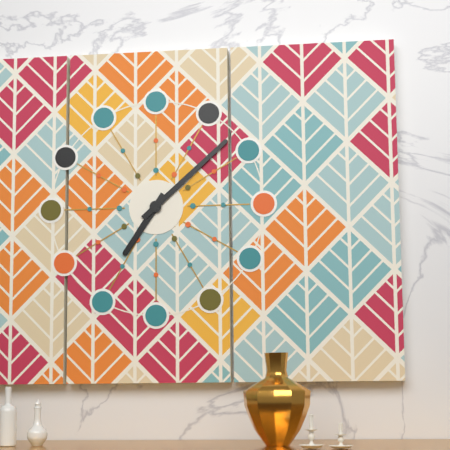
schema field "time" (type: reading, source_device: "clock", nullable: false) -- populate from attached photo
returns 7:08
